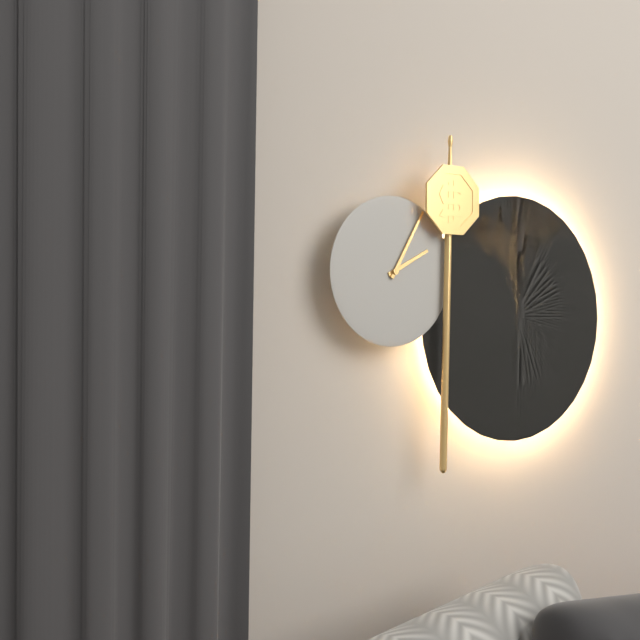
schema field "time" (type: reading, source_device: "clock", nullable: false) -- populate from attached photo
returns 2:05
